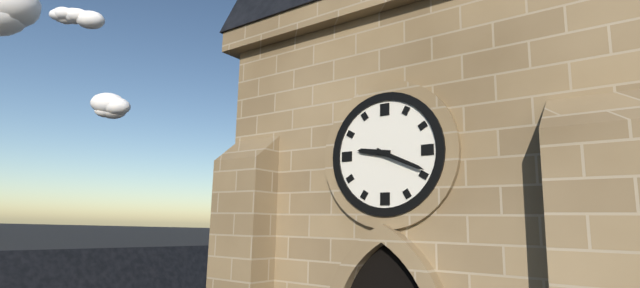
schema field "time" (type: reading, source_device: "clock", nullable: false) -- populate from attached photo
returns 9:19
